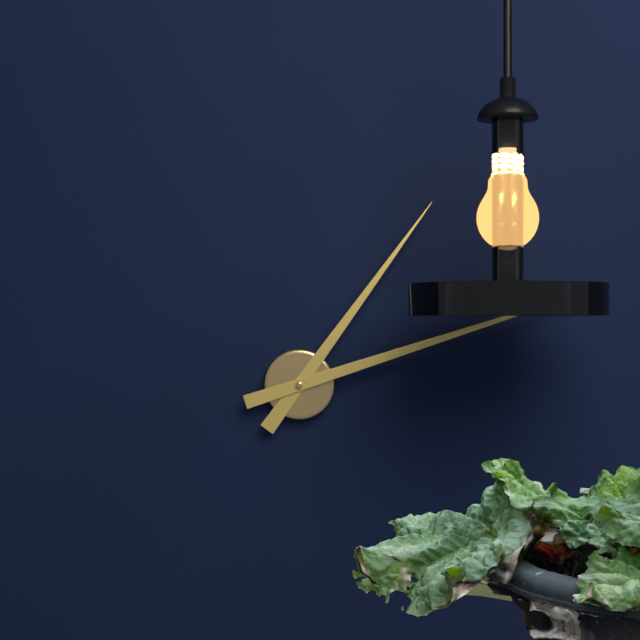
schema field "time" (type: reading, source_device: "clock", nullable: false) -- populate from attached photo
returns 1:12
